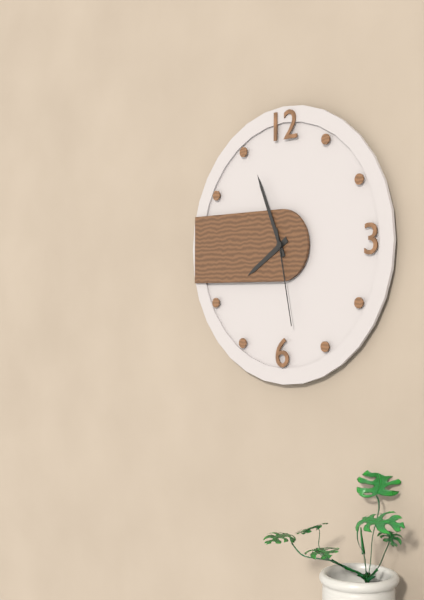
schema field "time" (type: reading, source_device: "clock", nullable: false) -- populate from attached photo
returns 7:56:28
